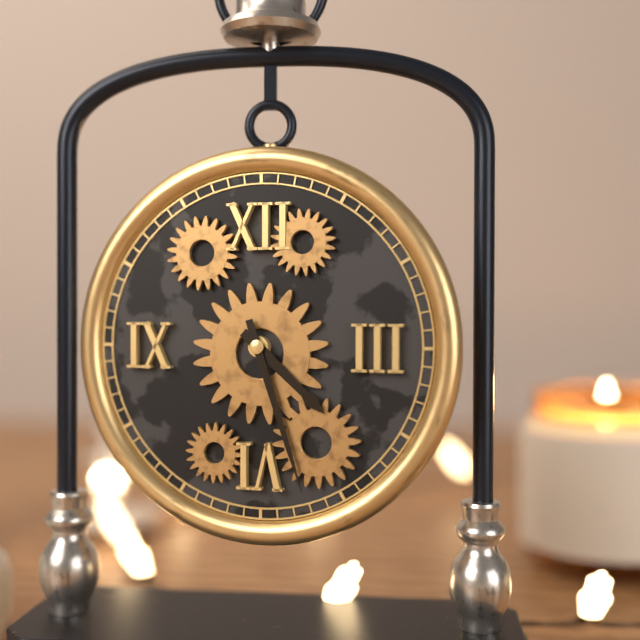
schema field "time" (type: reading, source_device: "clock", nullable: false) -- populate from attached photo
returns 4:27
